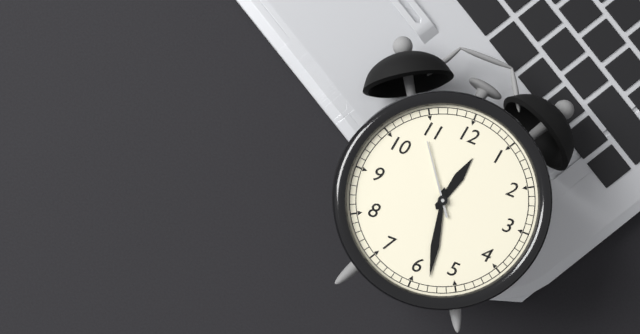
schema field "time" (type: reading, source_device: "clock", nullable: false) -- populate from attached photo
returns 12:28:54
